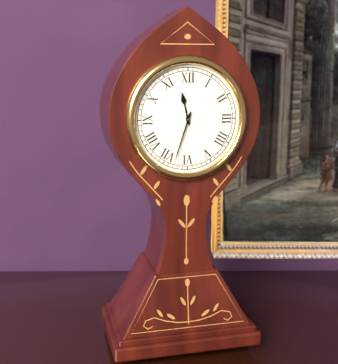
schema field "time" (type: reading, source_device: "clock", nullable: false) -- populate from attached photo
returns 11:33
